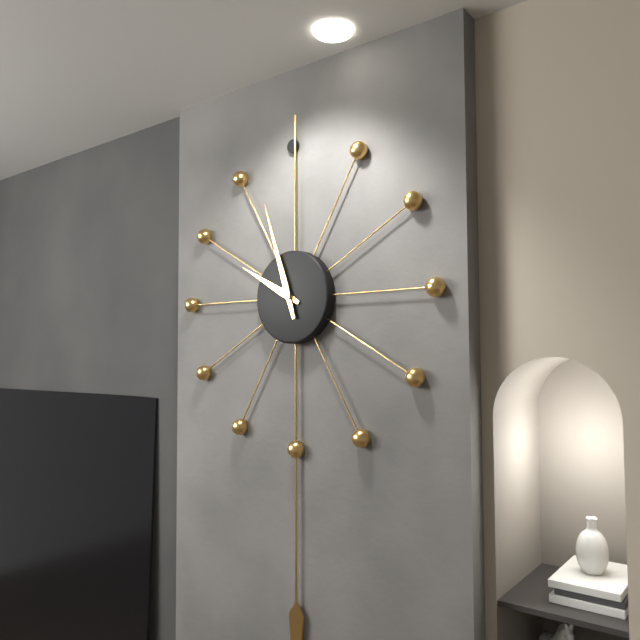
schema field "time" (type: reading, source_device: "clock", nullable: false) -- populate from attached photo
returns 9:57
